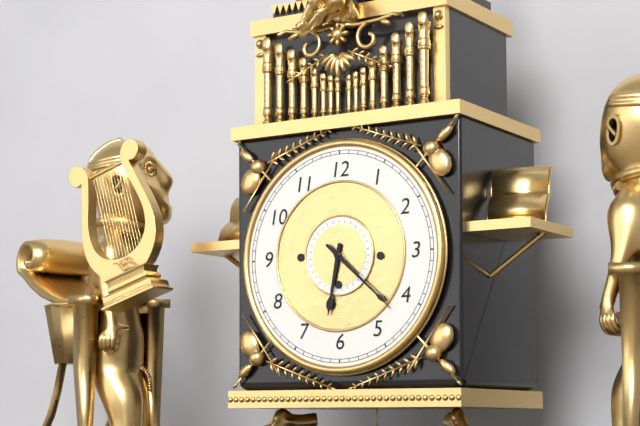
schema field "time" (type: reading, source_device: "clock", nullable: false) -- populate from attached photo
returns 6:22
